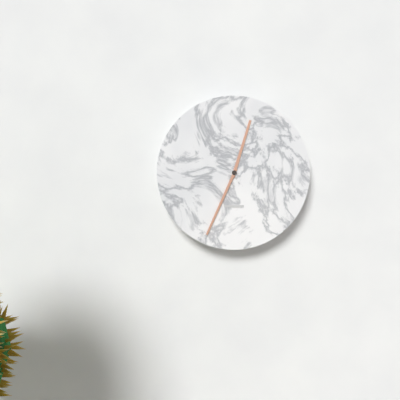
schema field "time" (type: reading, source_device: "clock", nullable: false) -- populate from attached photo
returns 12:34
